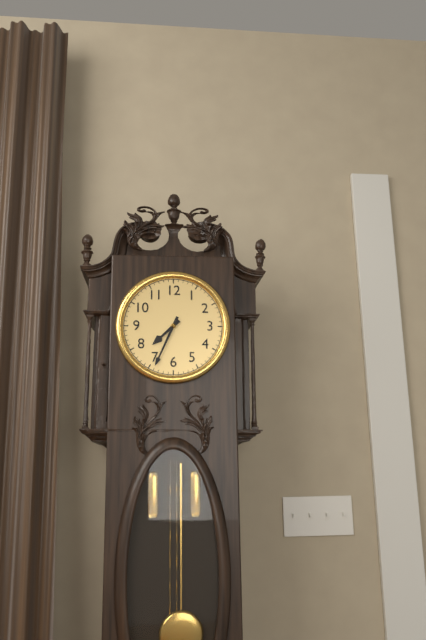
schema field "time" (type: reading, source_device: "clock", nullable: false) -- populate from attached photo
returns 7:34
